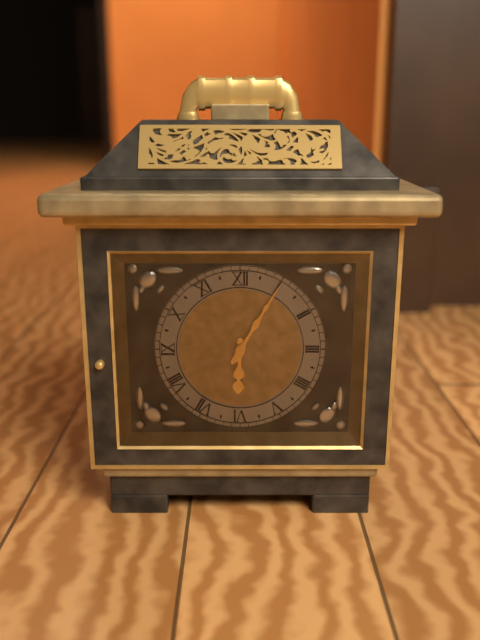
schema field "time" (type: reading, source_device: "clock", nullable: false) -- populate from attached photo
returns 6:05
